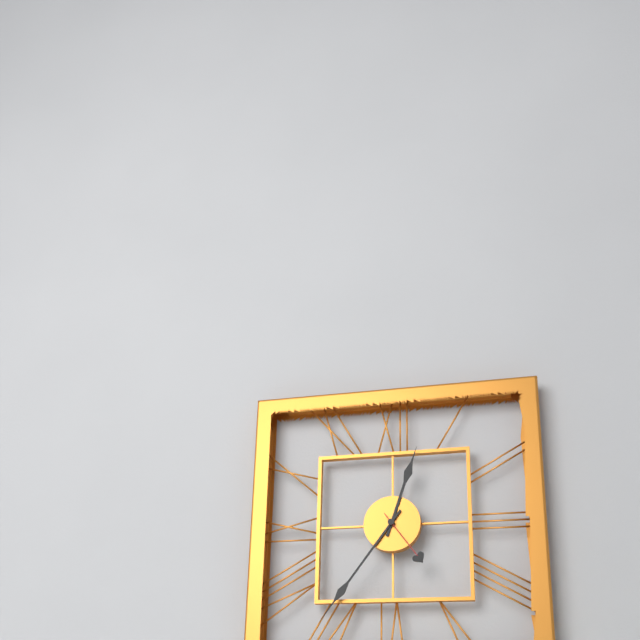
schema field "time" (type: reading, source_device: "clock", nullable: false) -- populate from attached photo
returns 12:36:24
